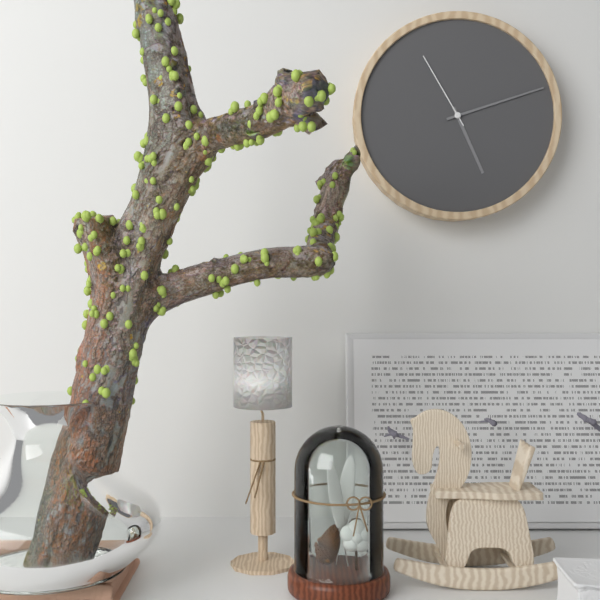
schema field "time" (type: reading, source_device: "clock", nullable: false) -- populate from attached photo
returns 5:12:55
